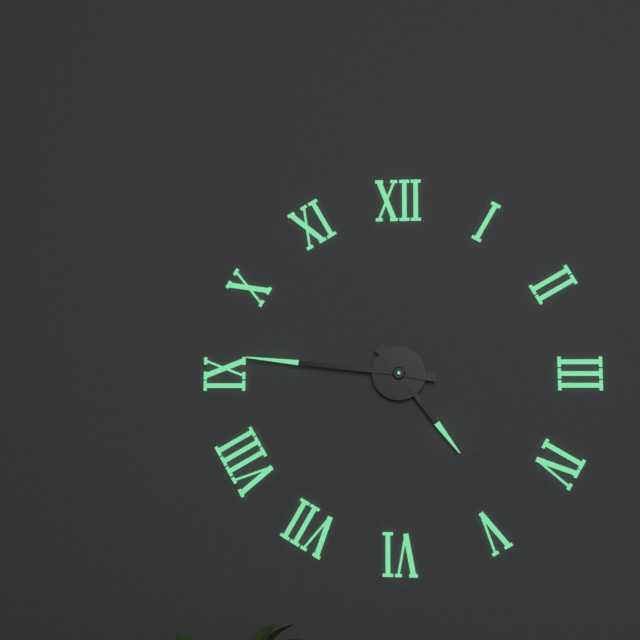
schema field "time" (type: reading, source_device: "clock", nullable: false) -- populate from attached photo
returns 4:46
